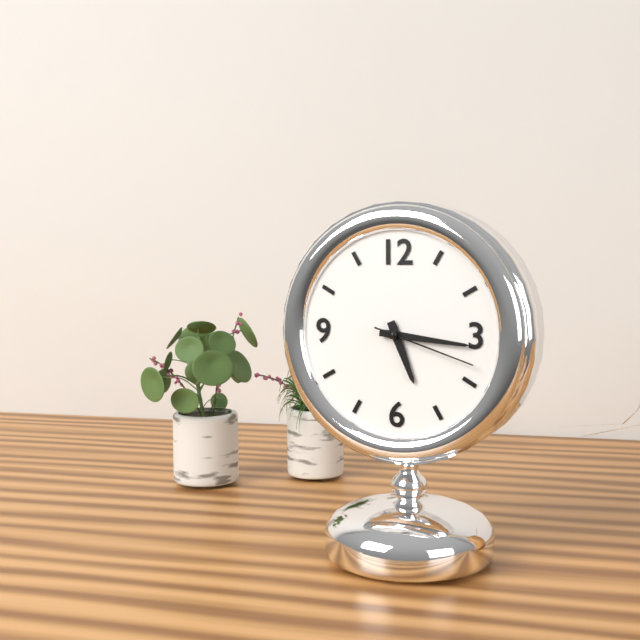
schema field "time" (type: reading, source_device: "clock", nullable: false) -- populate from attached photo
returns 5:16:18
